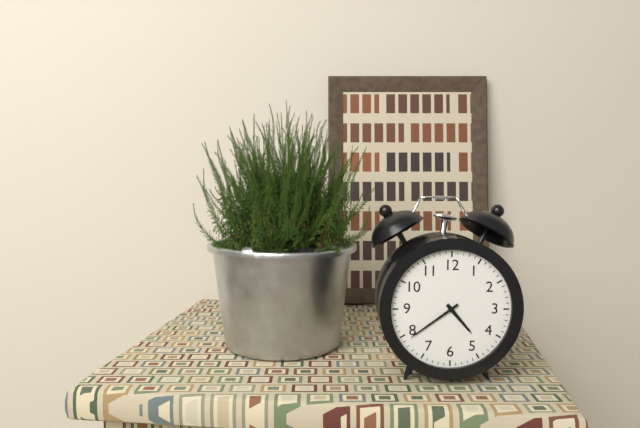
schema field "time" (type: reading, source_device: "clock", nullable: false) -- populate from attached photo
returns 4:39
